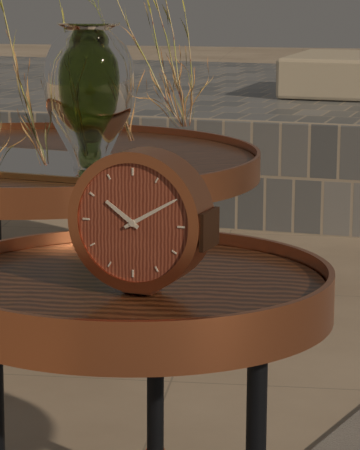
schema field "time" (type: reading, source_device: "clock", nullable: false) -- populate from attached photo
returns 10:10
